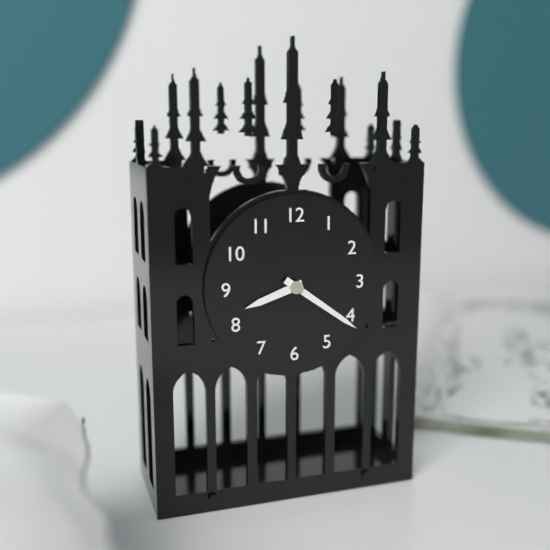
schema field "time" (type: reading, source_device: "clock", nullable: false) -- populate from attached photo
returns 8:21
